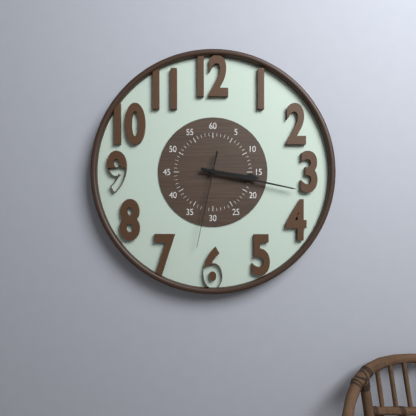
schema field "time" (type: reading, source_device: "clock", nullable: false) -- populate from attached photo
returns 3:17:32
